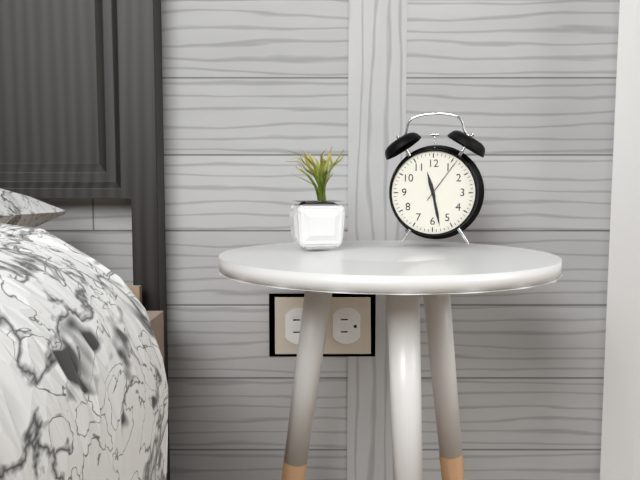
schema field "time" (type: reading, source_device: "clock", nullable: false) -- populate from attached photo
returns 11:28
